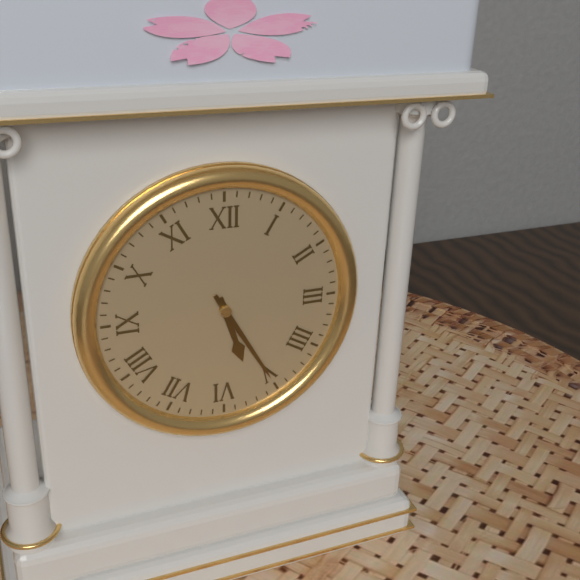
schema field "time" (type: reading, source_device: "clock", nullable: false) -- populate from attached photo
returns 5:25
